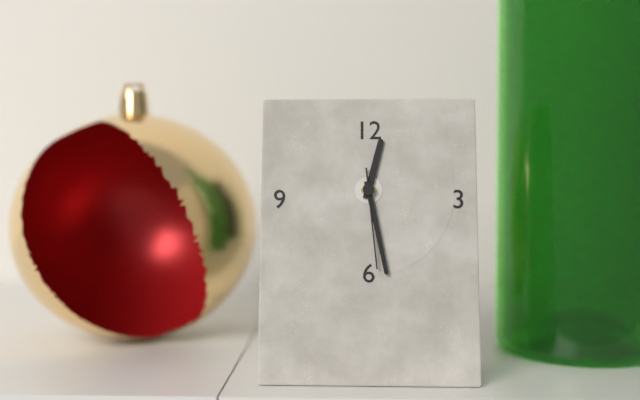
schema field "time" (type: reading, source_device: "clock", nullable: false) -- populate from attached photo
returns 12:28:29
